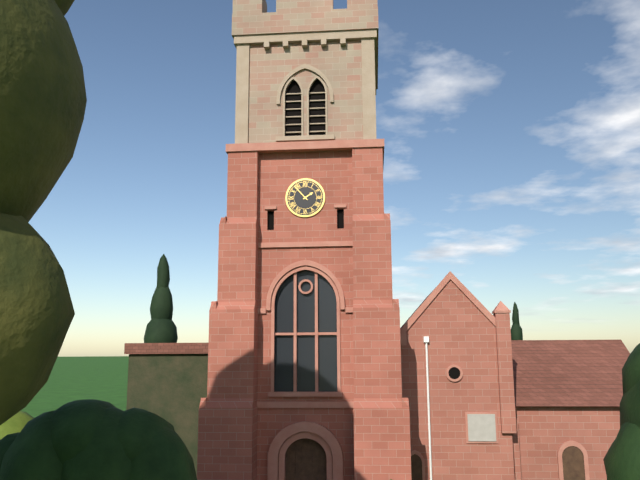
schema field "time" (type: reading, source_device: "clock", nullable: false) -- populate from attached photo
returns 1:53
